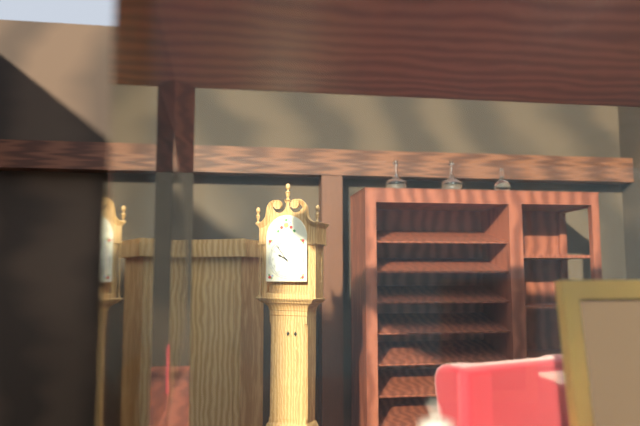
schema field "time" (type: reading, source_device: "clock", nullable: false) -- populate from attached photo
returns 9:54
